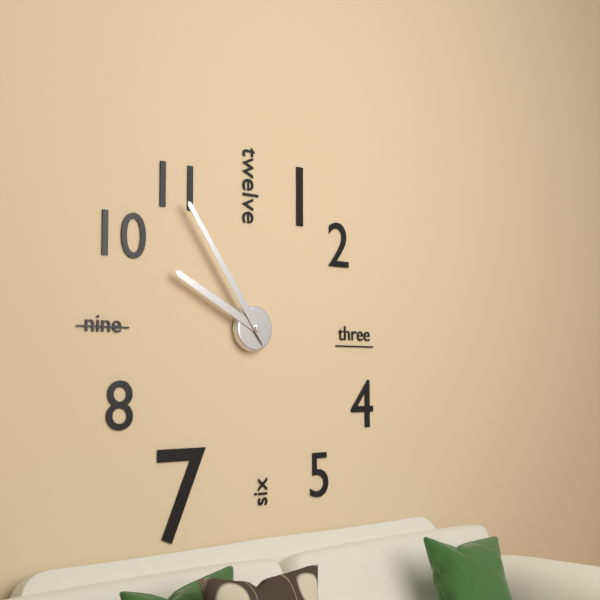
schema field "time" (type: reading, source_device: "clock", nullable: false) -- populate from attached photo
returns 9:54
